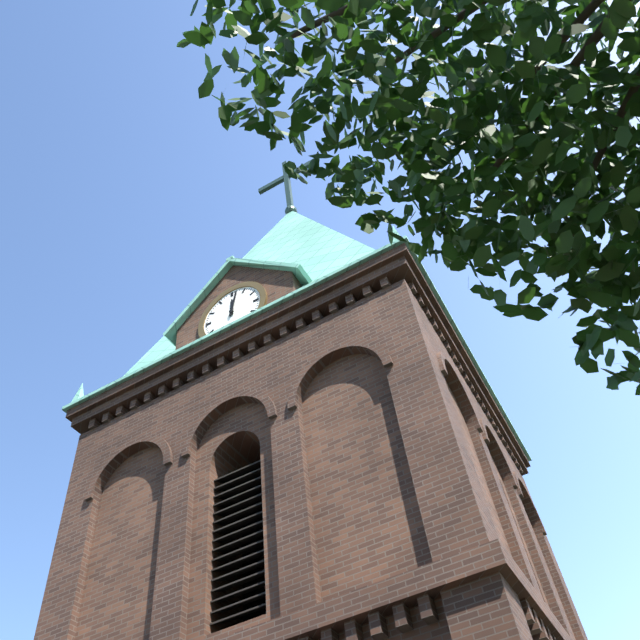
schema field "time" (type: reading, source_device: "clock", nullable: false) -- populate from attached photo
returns 12:02
